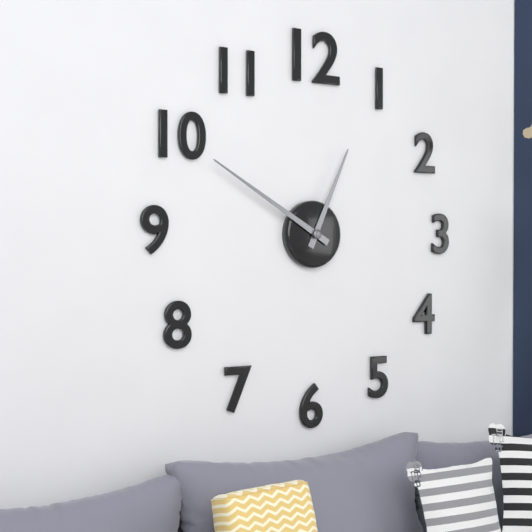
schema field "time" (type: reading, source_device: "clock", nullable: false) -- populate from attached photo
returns 12:50
